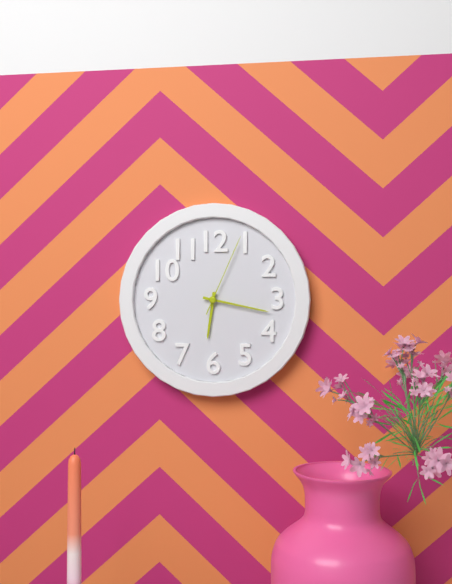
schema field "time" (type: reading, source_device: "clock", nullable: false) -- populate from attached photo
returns 6:17:04
